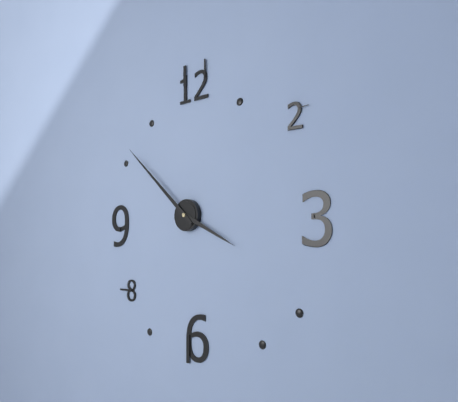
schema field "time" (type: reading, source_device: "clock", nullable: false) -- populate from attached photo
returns 3:52
